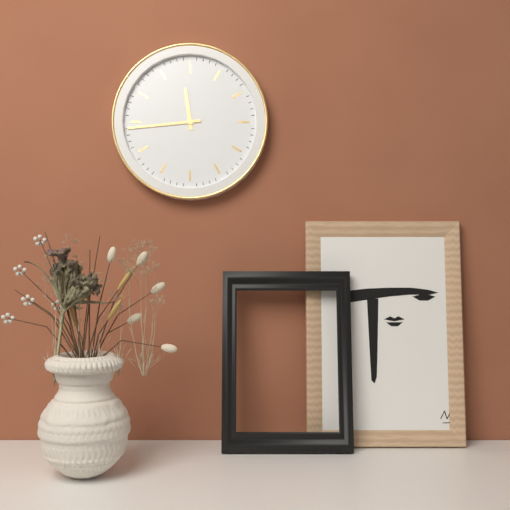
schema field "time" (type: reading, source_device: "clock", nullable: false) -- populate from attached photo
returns 11:44
